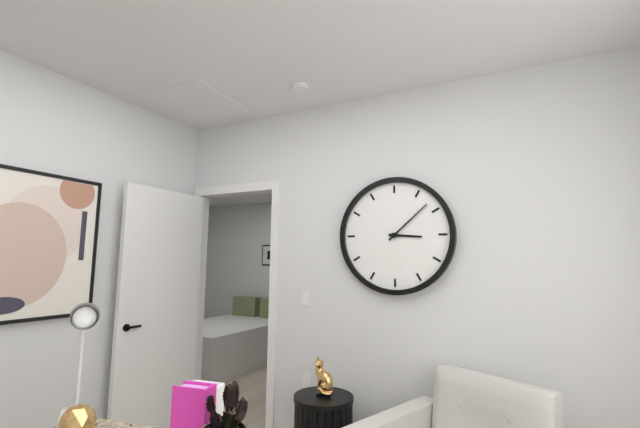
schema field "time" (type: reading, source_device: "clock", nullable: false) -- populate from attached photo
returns 3:08
